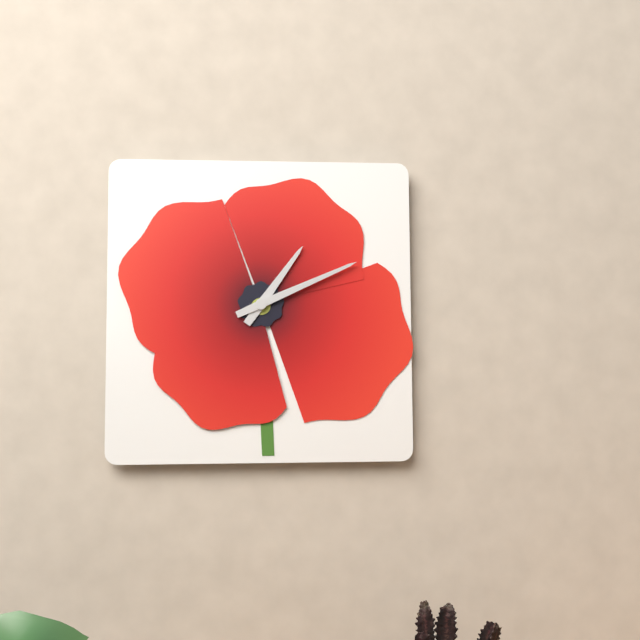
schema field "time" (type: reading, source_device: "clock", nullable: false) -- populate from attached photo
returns 1:11
